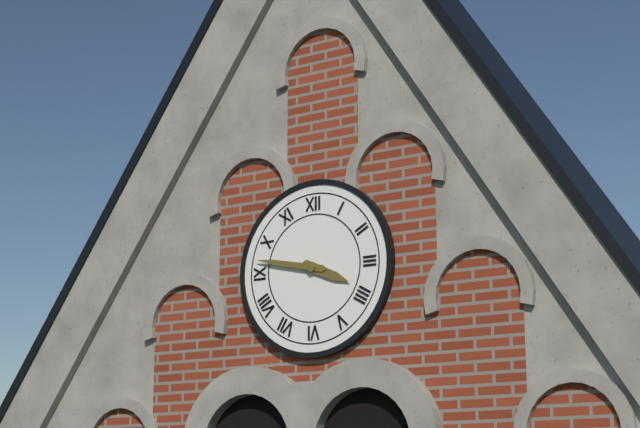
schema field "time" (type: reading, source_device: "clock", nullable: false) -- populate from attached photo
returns 3:47
